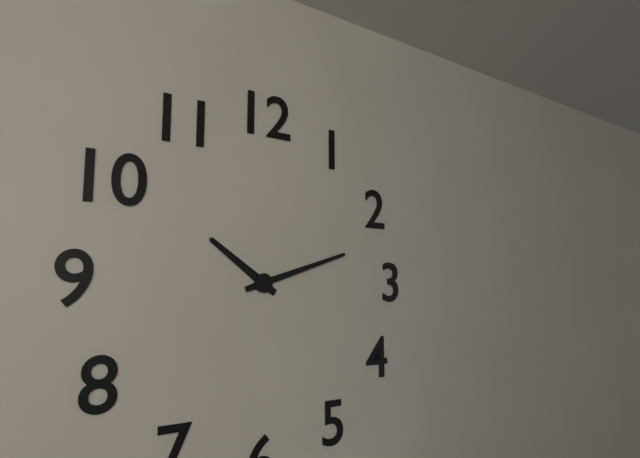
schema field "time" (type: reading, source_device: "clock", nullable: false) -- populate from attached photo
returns 10:12
